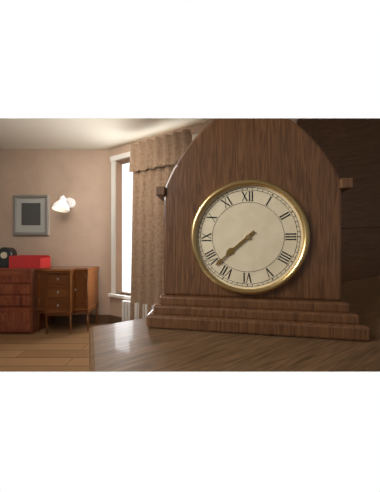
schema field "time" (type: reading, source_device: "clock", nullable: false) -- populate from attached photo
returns 7:38
